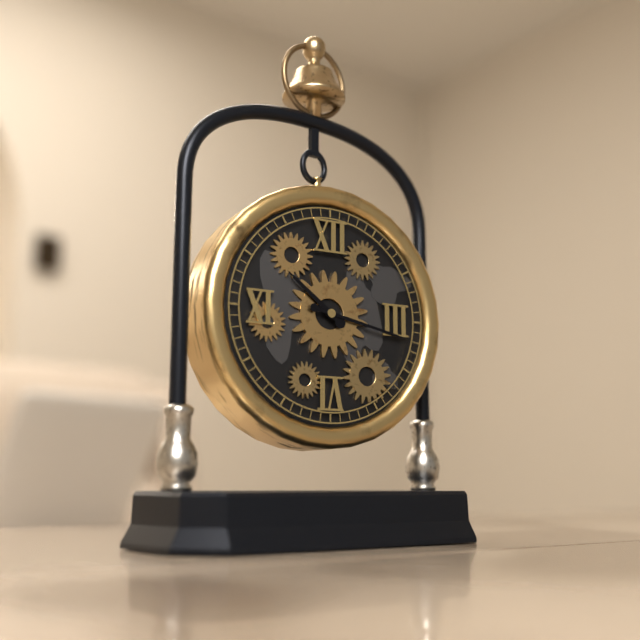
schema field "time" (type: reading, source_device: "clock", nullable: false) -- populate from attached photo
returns 10:17
